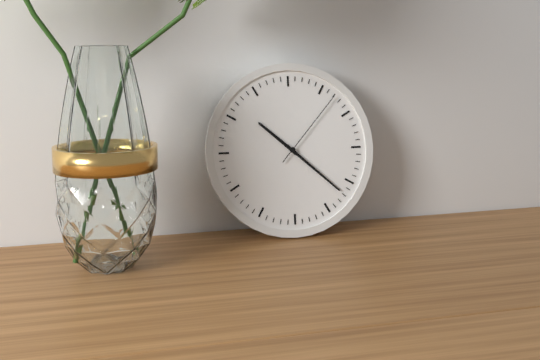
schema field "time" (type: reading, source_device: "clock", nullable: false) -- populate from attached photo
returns 10:22:07
